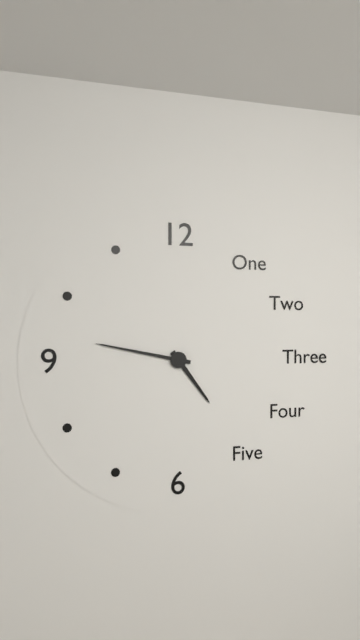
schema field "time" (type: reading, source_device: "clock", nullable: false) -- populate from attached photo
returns 4:47
